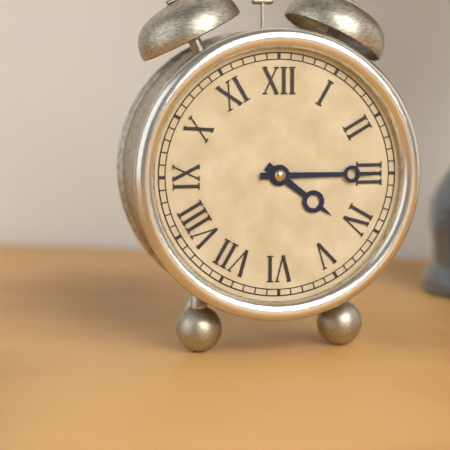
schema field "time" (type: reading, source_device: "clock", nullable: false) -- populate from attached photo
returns 4:15
